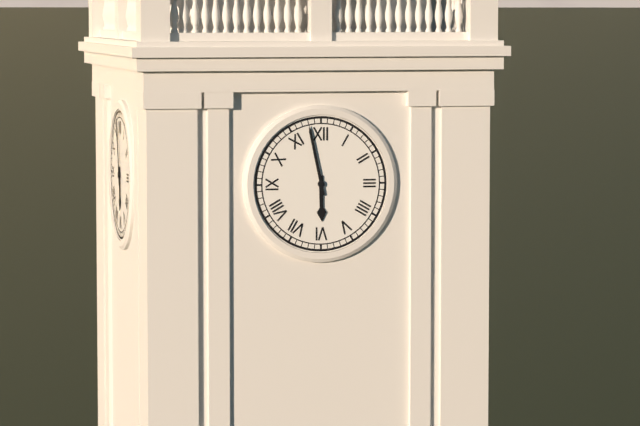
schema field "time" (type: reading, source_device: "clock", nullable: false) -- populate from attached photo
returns 5:58
